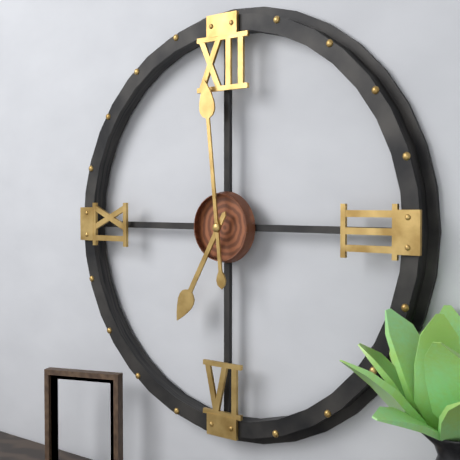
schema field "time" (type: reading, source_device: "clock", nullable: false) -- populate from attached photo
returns 6:59
